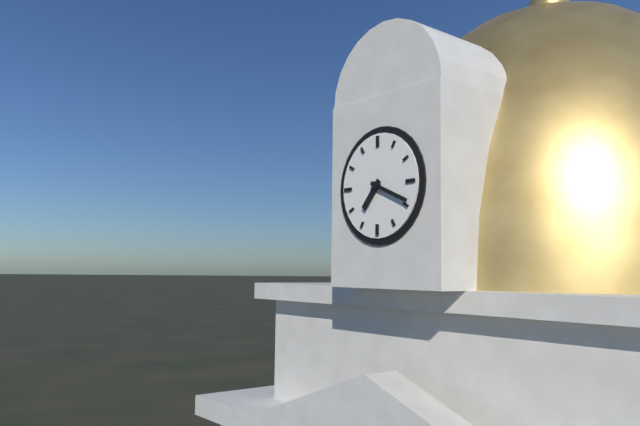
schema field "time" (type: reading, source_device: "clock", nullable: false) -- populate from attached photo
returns 7:19
